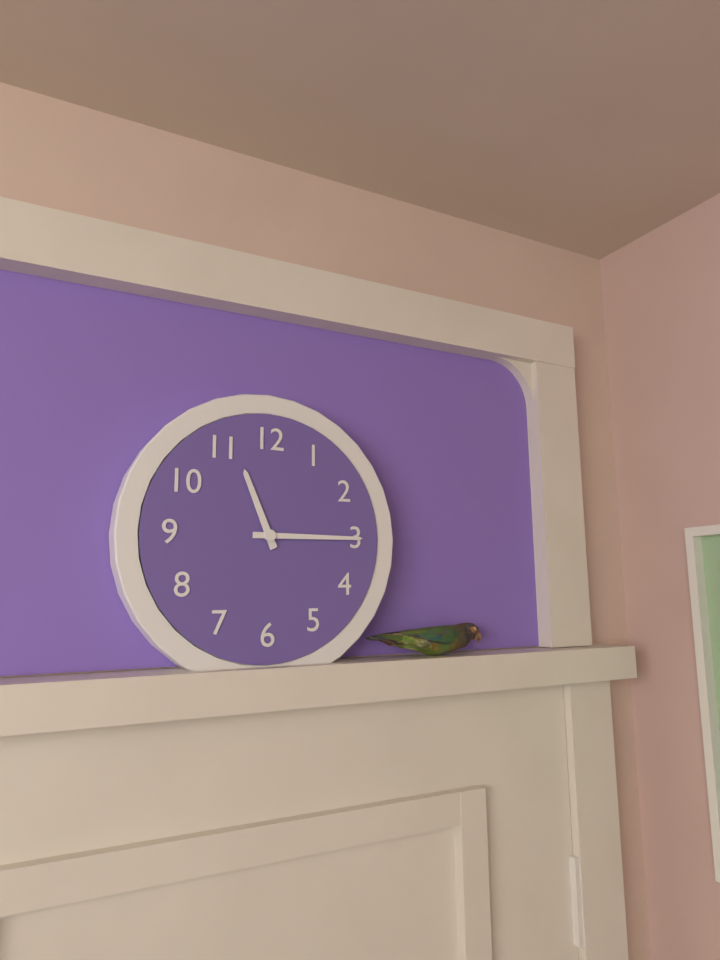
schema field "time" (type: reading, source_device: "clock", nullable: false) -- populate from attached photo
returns 11:15
